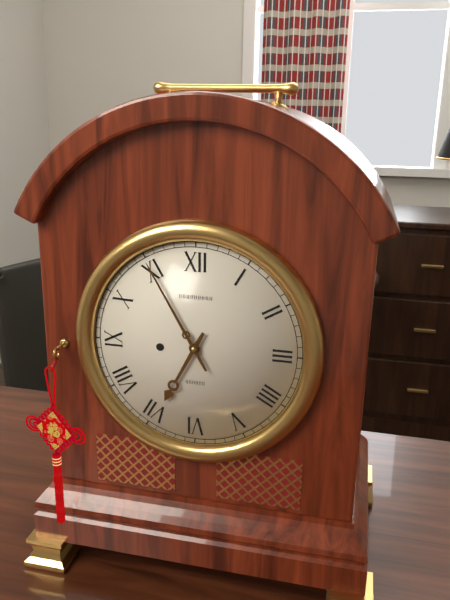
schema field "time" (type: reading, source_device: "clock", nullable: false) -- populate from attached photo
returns 6:55
